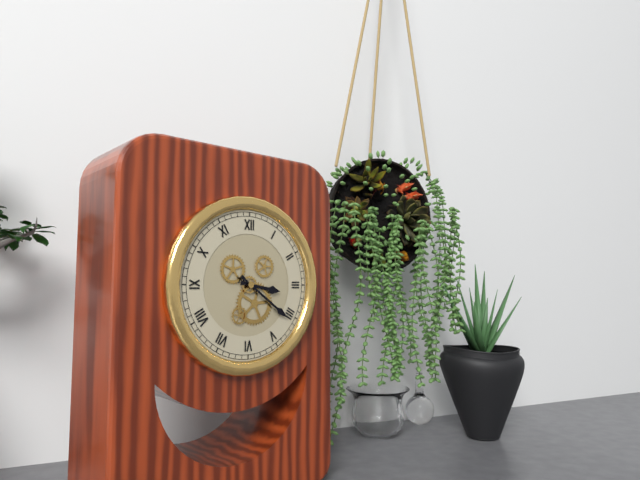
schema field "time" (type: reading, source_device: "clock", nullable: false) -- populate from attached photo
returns 3:21
